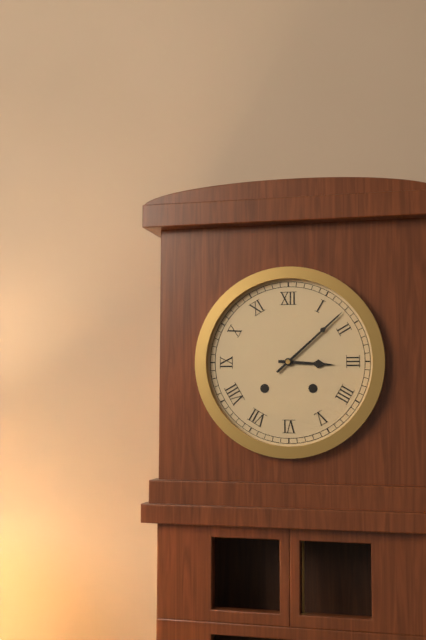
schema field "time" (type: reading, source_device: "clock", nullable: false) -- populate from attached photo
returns 3:08
